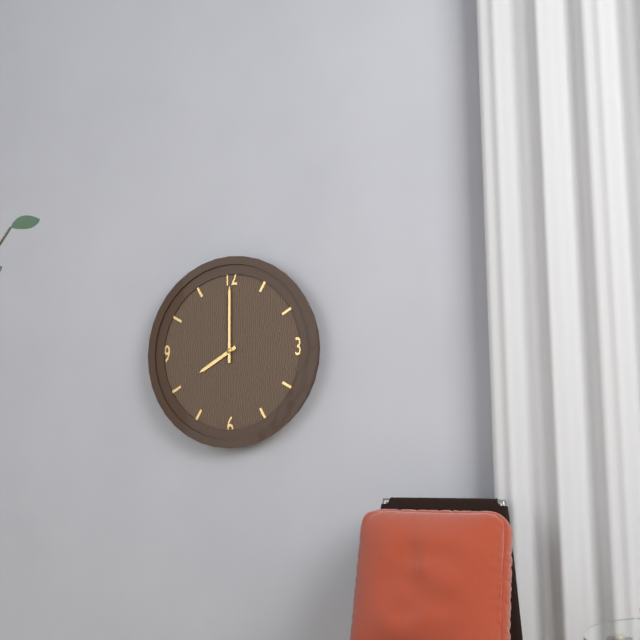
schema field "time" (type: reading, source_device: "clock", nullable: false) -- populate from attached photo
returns 8:00
